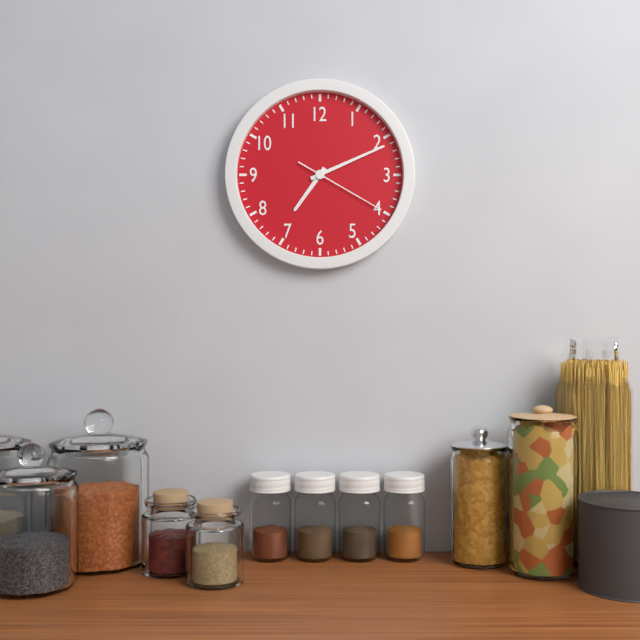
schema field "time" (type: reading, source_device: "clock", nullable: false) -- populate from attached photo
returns 7:11:20
